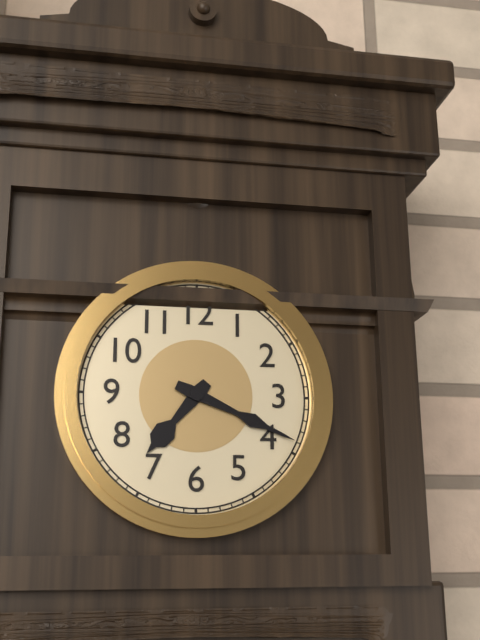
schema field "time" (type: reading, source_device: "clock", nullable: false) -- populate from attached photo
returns 7:19
